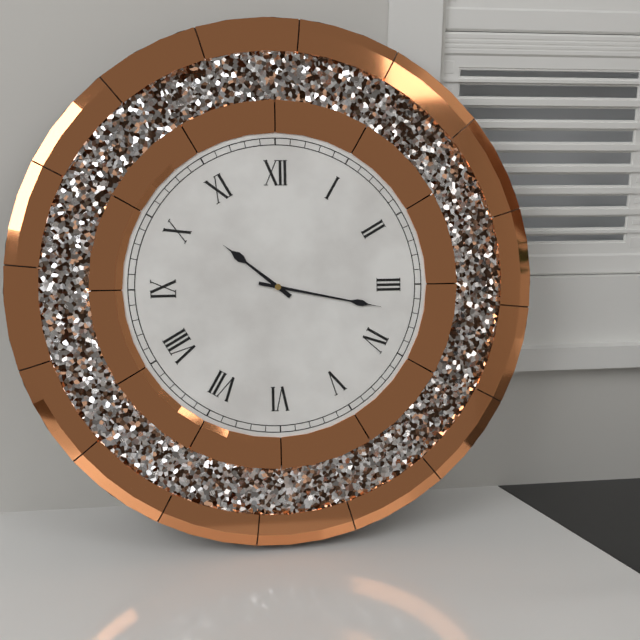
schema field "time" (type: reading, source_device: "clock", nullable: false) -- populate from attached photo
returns 10:17
